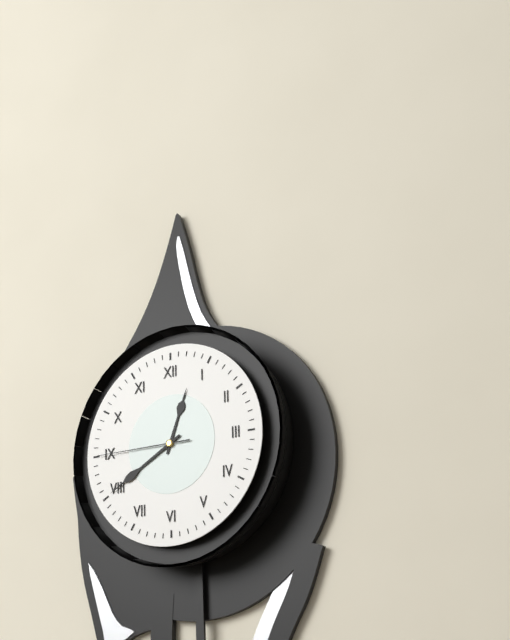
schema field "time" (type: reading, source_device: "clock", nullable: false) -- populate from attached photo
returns 12:40:45
